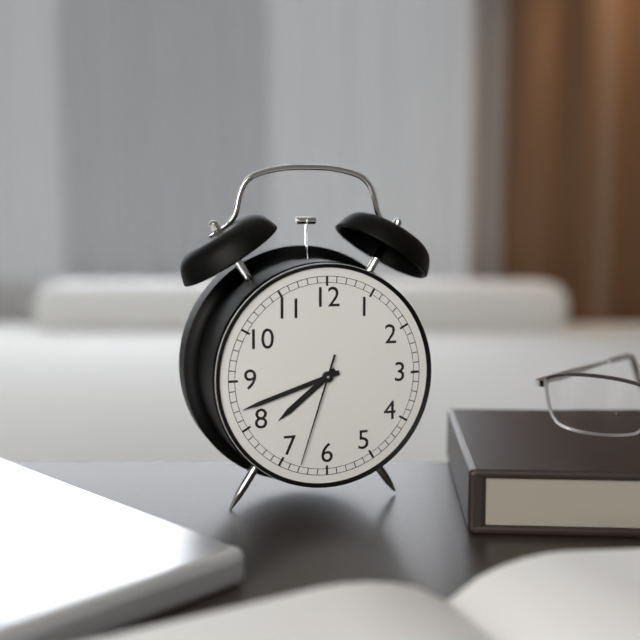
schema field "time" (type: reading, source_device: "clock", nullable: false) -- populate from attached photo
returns 7:42:33
